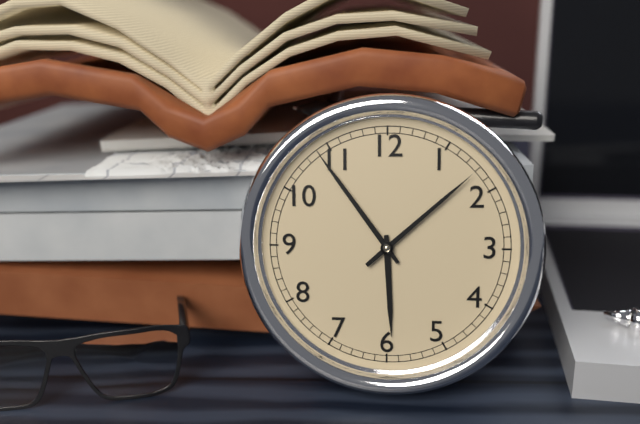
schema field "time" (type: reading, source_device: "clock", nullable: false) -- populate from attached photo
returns 5:54:08
